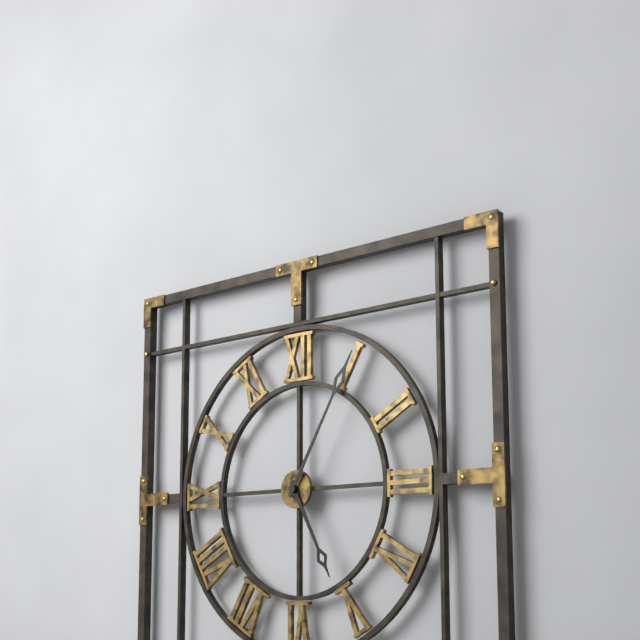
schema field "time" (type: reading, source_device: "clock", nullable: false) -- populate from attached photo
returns 5:05
